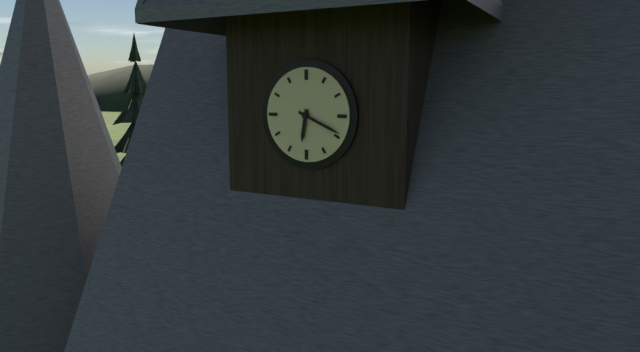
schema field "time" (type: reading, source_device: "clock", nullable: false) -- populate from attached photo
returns 6:19
